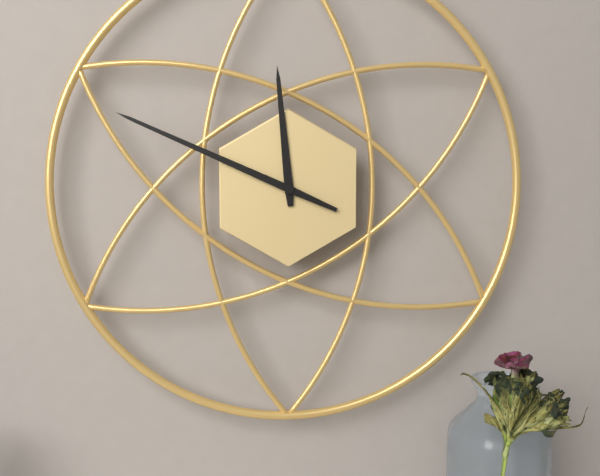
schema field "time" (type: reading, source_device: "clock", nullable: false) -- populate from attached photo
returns 11:49
